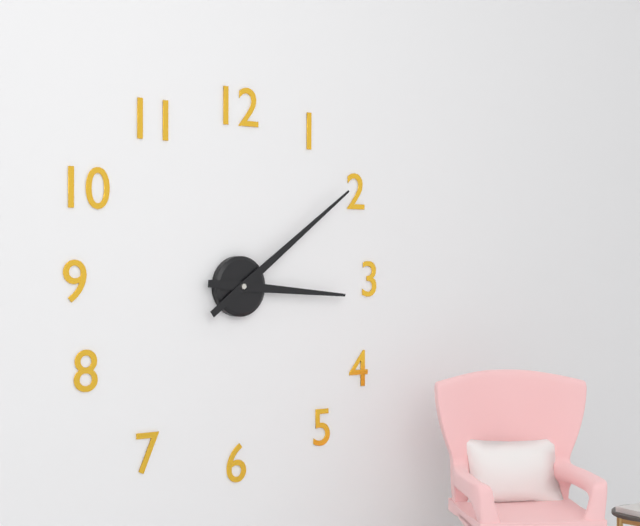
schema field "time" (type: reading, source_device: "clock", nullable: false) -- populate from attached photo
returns 3:09
